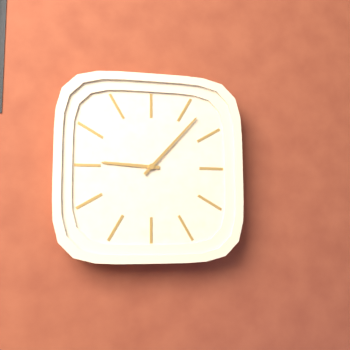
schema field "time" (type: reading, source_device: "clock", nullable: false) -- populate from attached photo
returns 9:07
